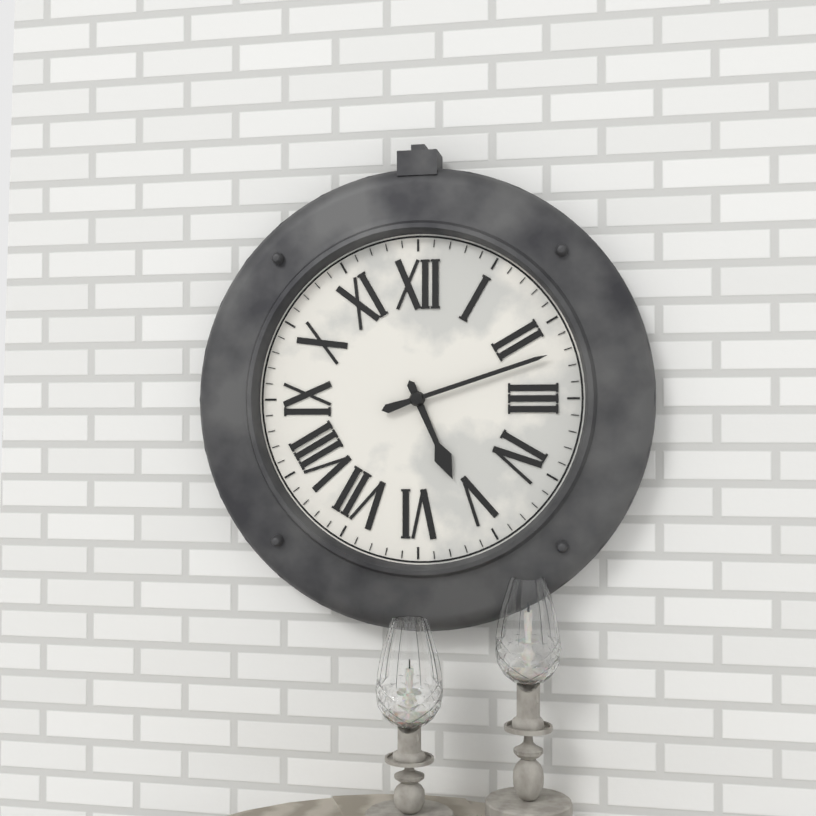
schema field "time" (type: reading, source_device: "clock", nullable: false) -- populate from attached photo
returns 5:12
